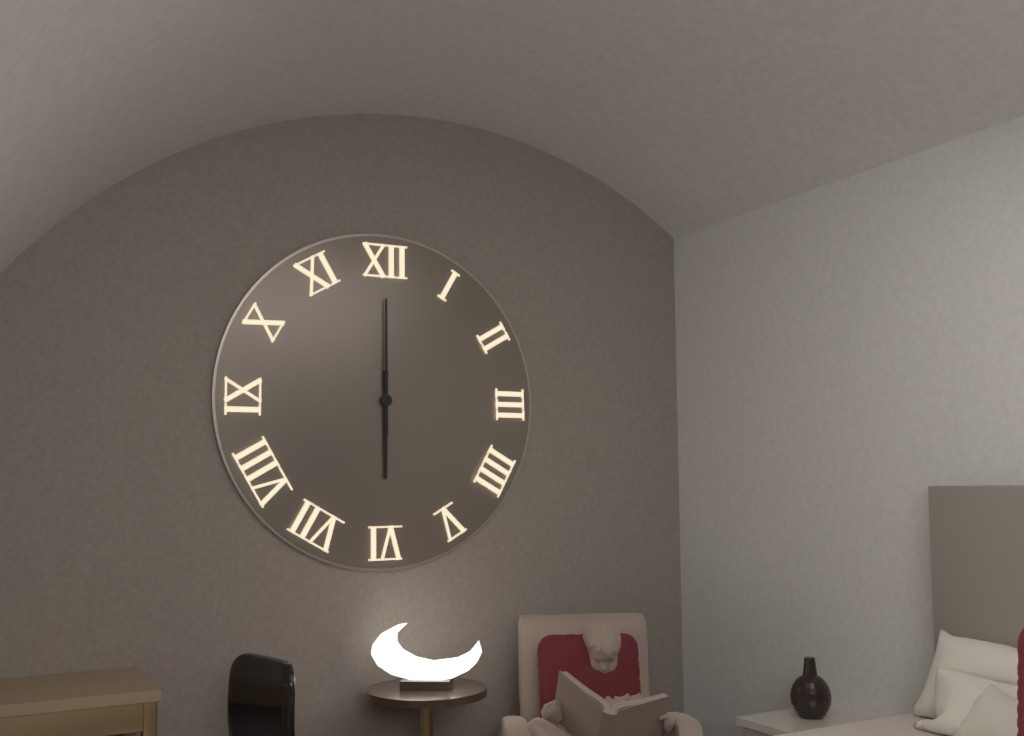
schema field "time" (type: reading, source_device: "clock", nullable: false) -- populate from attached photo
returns 6:00
